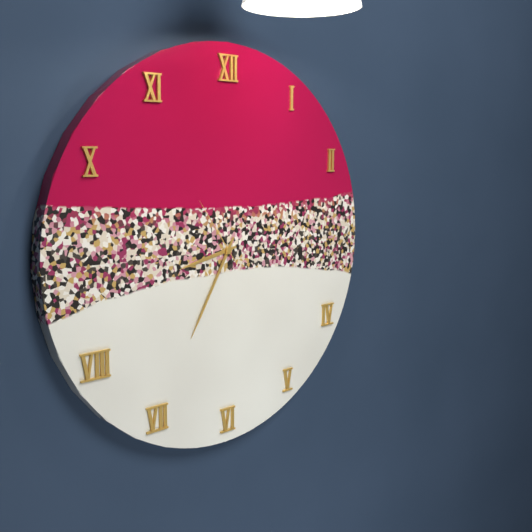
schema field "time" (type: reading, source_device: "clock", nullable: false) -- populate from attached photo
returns 8:35:54
